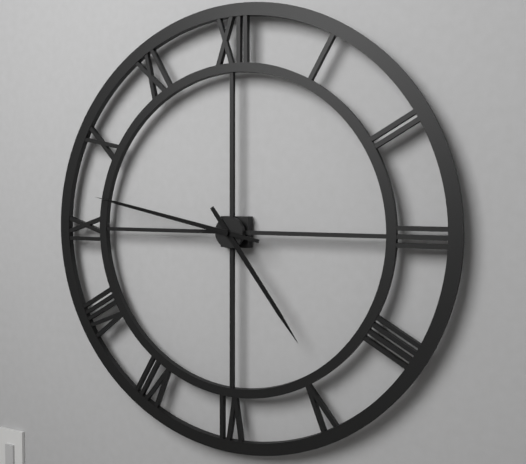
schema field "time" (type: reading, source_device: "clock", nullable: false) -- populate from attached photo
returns 4:47
